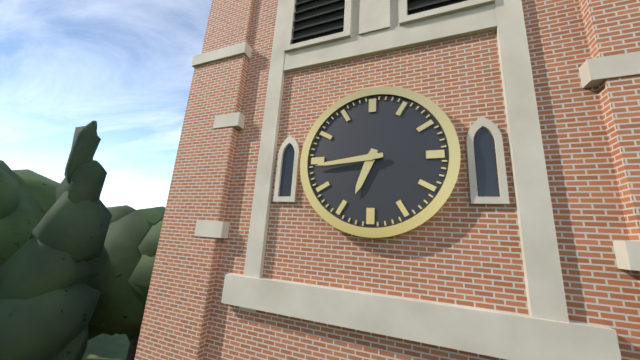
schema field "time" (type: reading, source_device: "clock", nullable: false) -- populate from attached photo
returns 6:44
